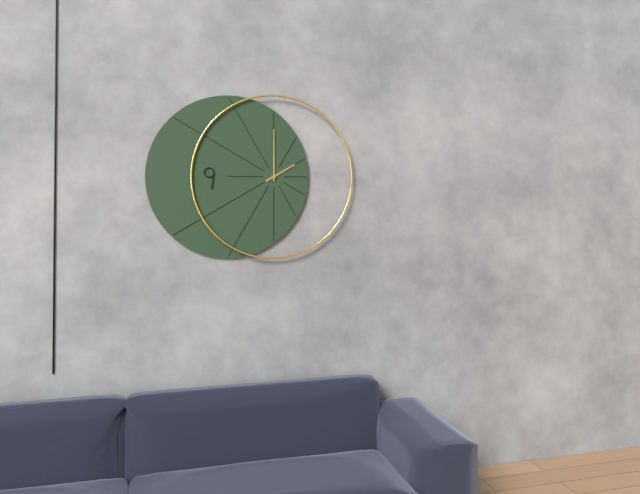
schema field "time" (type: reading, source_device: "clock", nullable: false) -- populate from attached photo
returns 2:00
